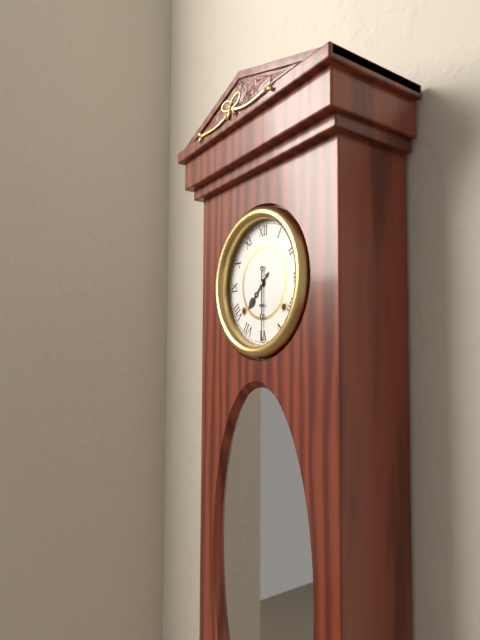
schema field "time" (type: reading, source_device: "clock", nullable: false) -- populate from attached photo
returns 7:30
